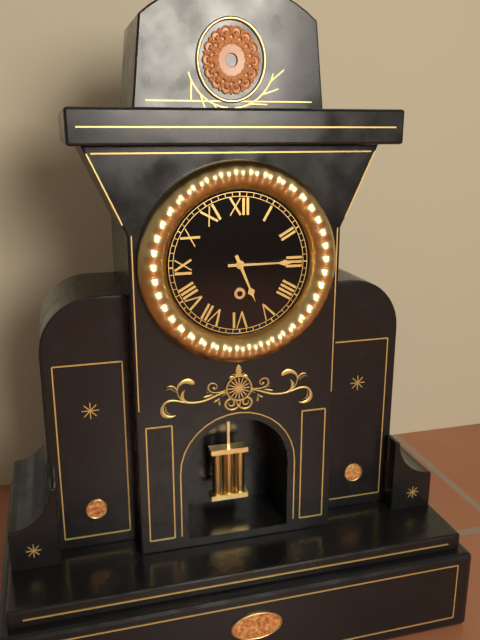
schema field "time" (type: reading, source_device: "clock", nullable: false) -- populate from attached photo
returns 5:15
